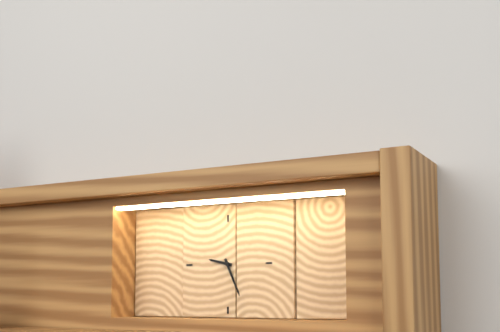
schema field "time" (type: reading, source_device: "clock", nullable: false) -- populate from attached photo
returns 9:26
